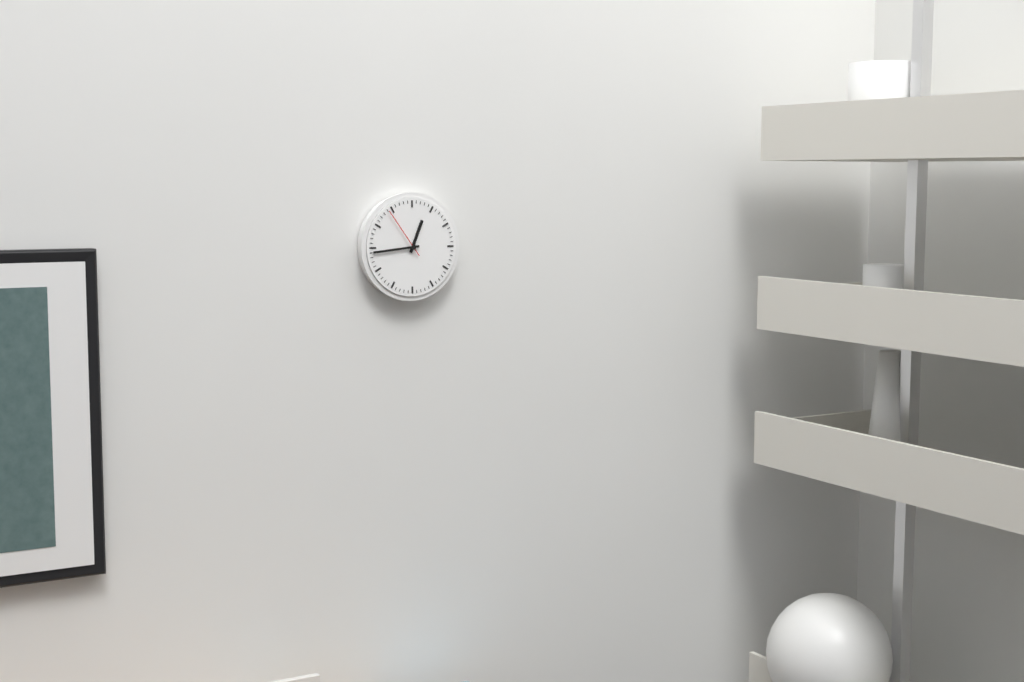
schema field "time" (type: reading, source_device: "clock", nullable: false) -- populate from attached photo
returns 12:44:54
